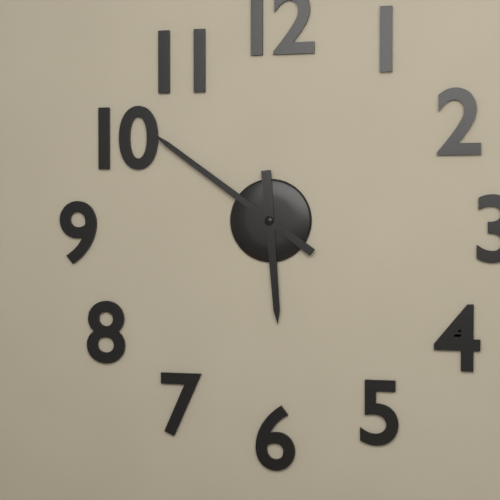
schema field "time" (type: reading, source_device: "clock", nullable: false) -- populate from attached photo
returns 5:51
